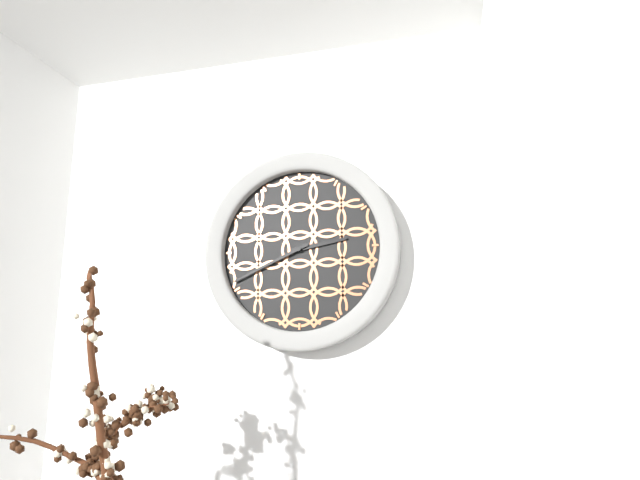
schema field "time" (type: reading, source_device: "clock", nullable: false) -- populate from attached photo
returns 2:41
